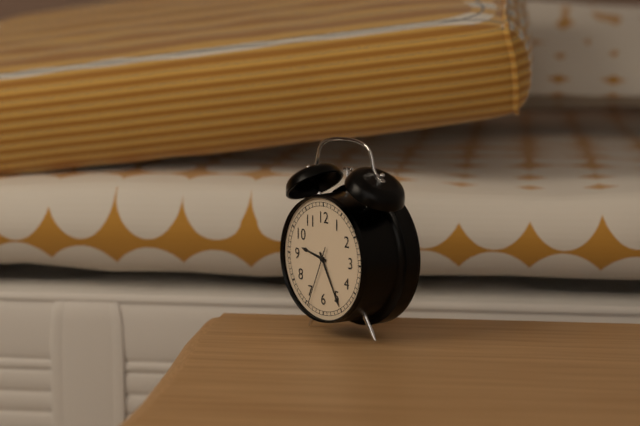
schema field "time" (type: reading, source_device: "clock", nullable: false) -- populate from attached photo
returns 9:25:34
